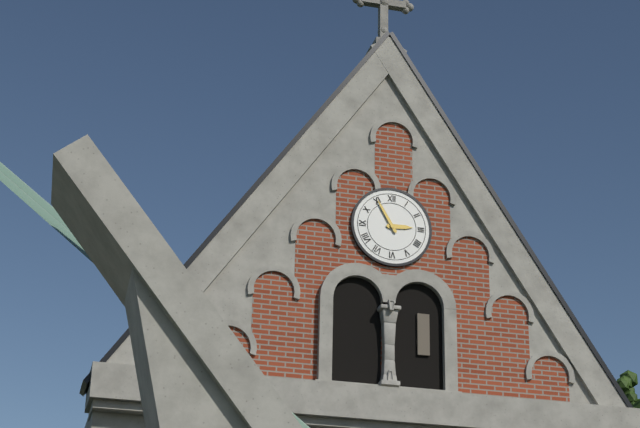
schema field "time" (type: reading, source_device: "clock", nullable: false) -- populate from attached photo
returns 2:55
